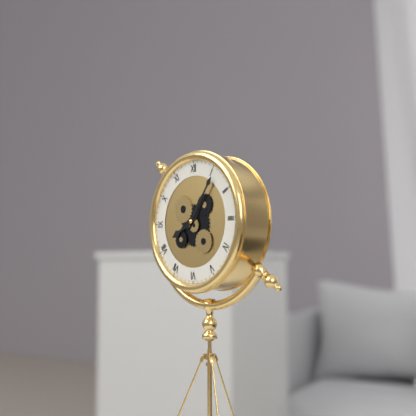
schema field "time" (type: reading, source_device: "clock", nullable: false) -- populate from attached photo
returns 8:06
